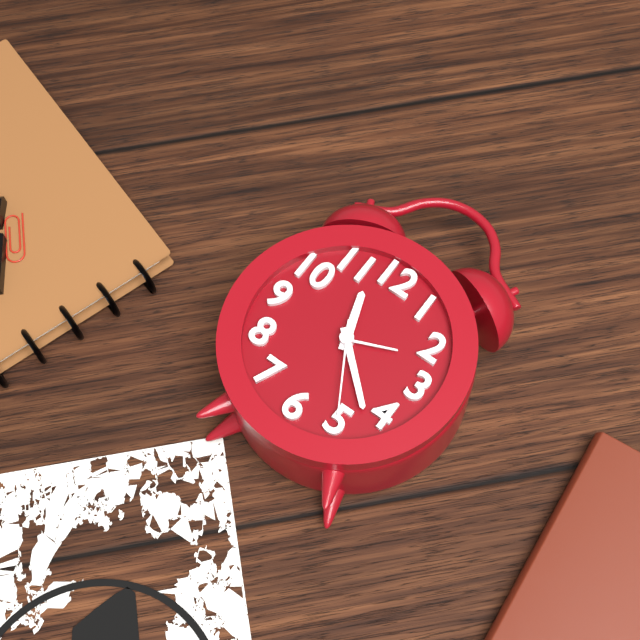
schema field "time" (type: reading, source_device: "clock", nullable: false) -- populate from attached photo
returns 11:22:25
